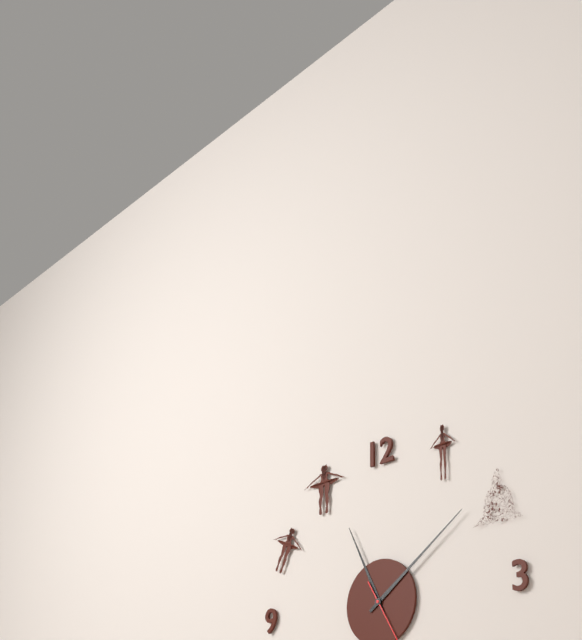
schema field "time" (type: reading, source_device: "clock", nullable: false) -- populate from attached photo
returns 11:09
